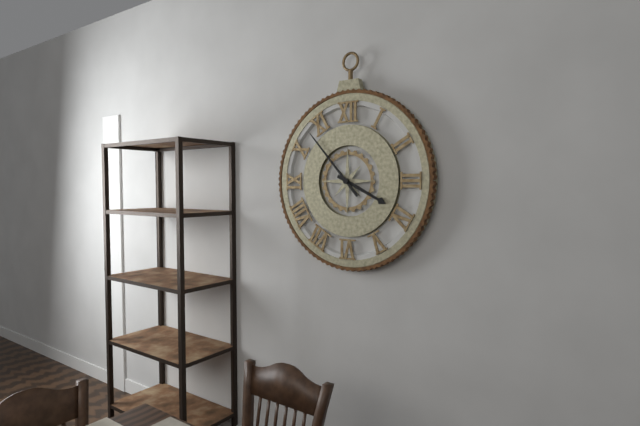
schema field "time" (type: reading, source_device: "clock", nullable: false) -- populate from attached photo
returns 3:53
